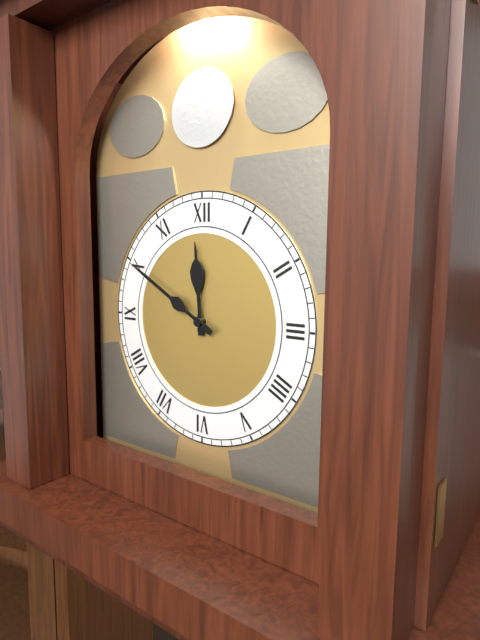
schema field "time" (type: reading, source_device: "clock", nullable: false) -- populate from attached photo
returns 11:50
